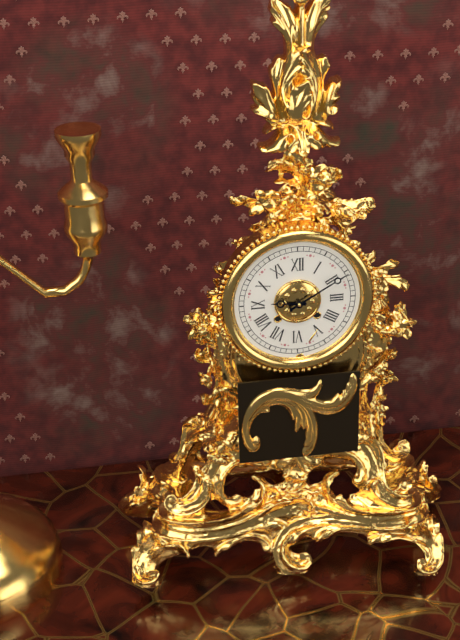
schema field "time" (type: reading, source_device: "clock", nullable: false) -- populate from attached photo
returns 9:10
